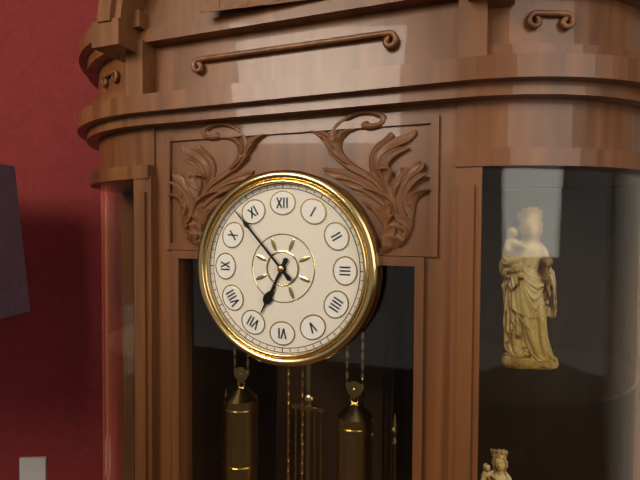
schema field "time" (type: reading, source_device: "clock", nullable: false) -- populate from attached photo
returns 6:53
